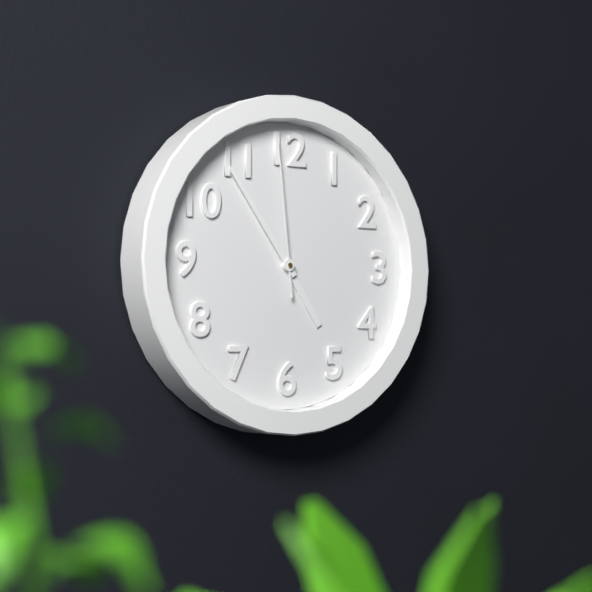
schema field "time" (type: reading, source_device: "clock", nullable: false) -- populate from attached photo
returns 4:54:59
